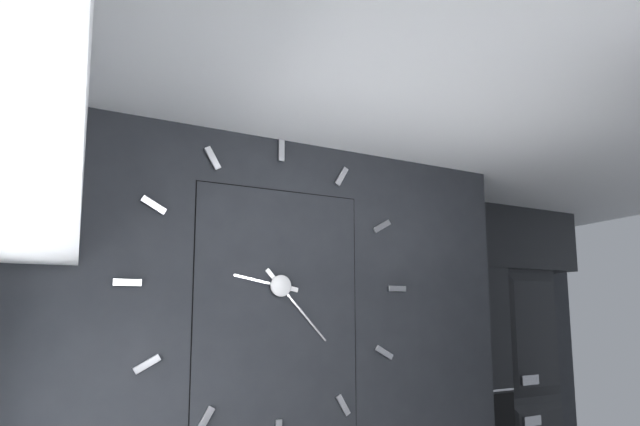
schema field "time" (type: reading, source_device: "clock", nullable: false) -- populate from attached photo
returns 9:23
